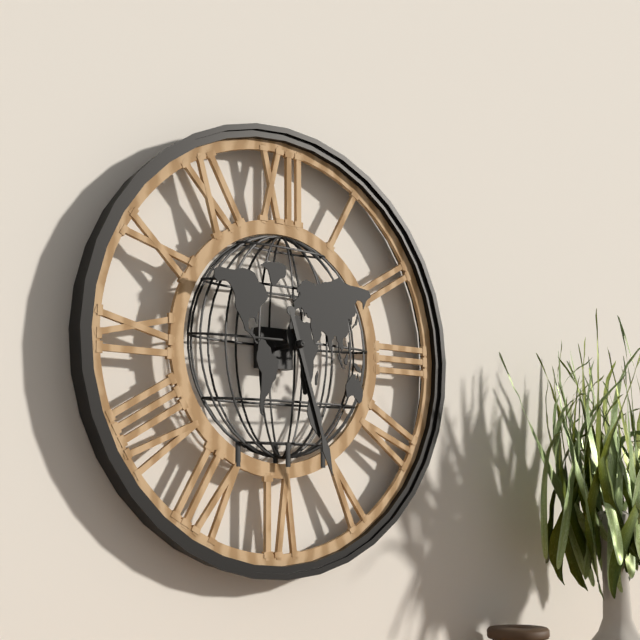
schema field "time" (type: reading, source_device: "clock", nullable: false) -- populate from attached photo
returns 5:27
